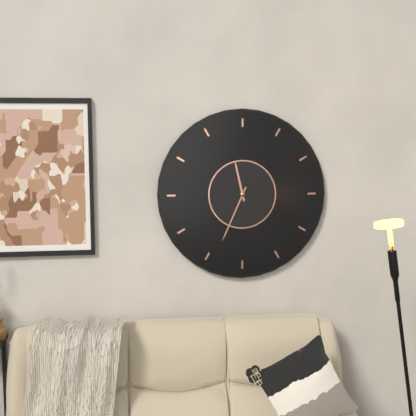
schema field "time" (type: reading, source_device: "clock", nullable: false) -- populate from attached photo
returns 11:34
